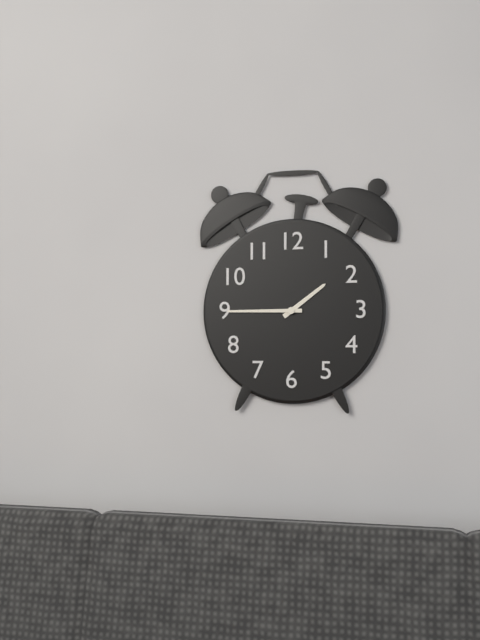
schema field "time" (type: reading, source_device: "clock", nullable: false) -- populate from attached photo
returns 1:45
